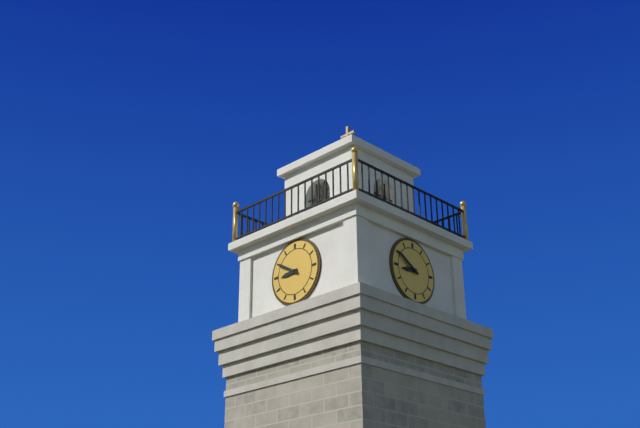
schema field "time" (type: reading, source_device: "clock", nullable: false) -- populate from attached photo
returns 8:50
